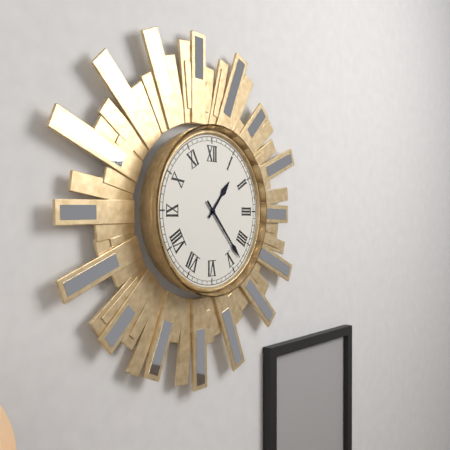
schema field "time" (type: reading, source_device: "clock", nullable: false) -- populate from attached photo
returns 1:23
